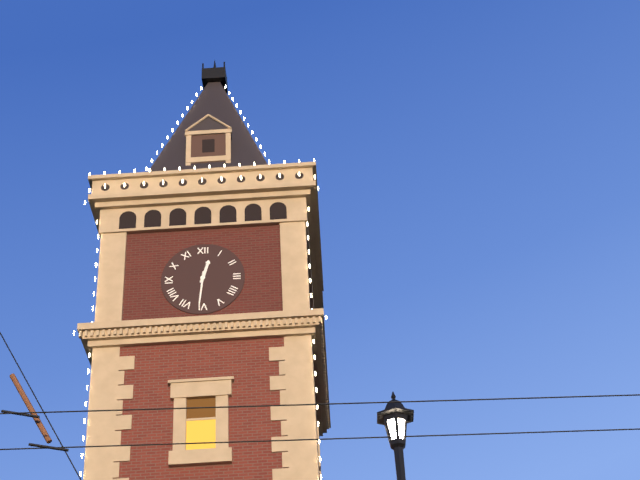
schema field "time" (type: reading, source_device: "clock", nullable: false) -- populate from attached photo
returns 12:31
